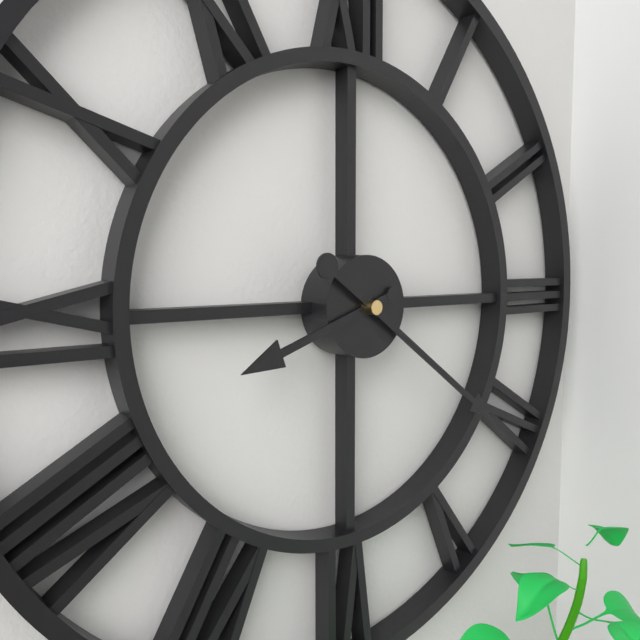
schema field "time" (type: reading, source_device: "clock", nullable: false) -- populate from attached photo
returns 8:21
